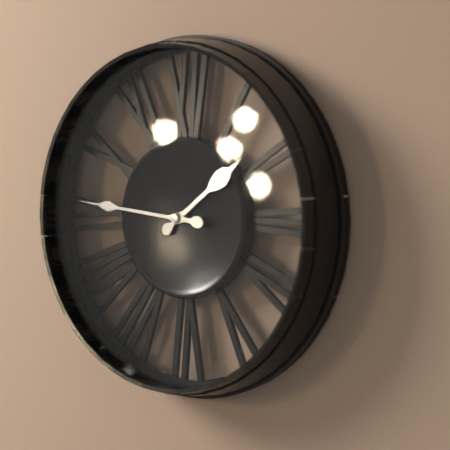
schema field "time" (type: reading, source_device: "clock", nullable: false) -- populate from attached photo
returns 1:46
